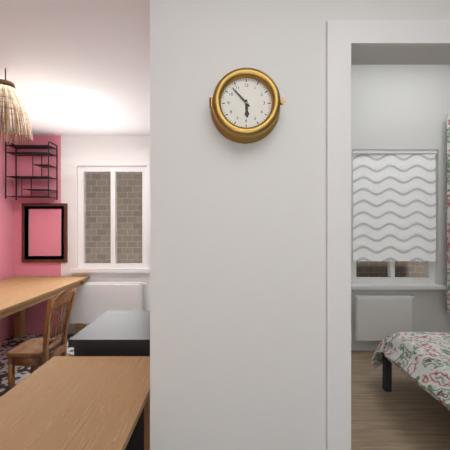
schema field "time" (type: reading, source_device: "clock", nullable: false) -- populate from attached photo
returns 5:53
